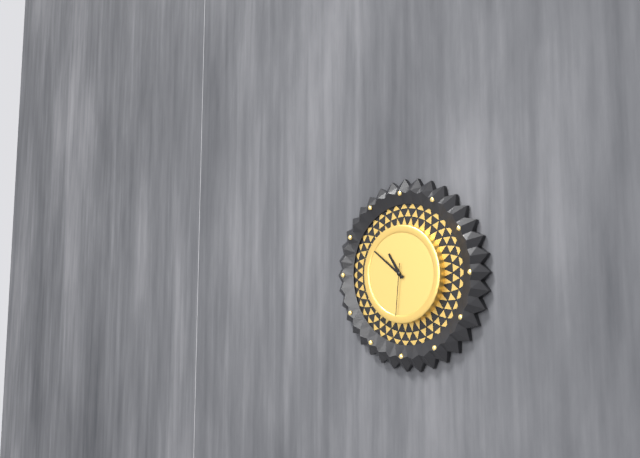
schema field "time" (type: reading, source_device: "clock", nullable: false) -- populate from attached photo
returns 10:51:31
